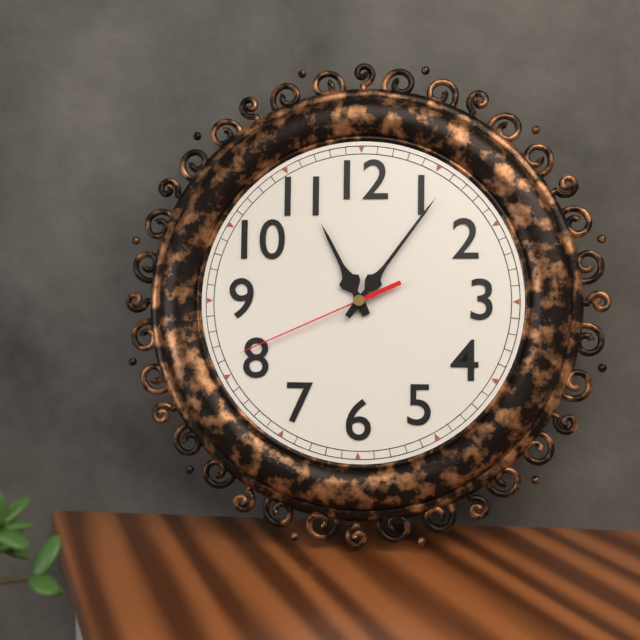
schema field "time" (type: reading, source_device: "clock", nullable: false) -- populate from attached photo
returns 11:06:41
